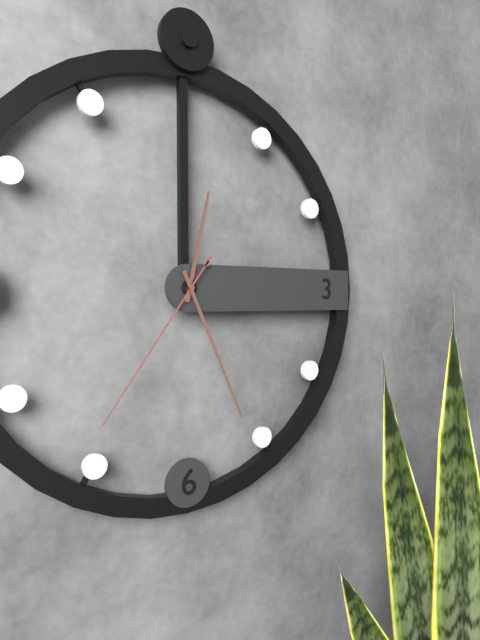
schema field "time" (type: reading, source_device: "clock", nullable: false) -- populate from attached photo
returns 12:26:36
